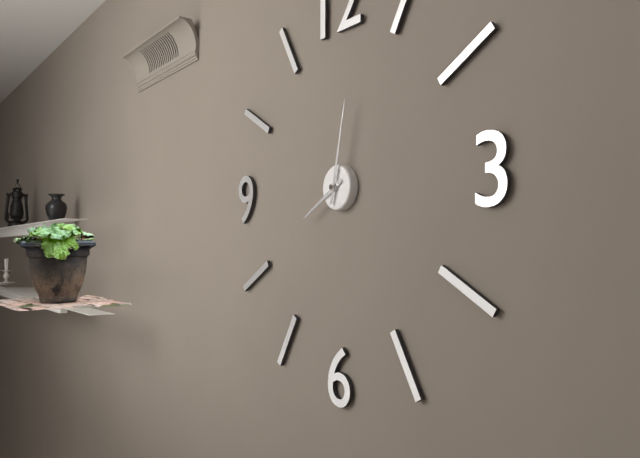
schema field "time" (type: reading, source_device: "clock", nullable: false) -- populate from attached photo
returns 8:02
